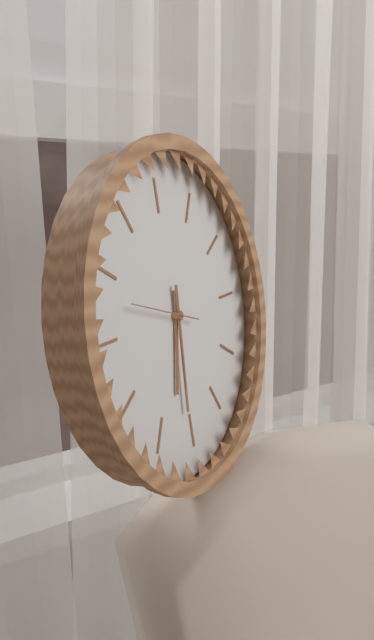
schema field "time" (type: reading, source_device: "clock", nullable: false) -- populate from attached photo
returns 6:31:48
